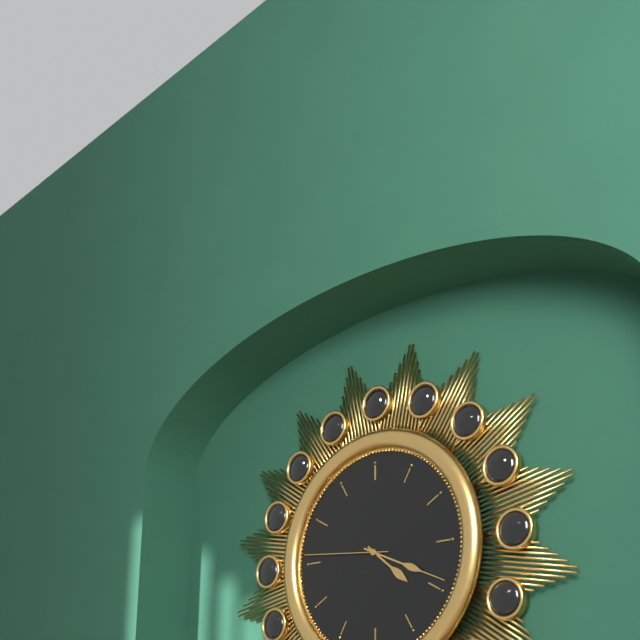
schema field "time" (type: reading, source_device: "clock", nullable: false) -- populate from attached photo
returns 4:19:46
